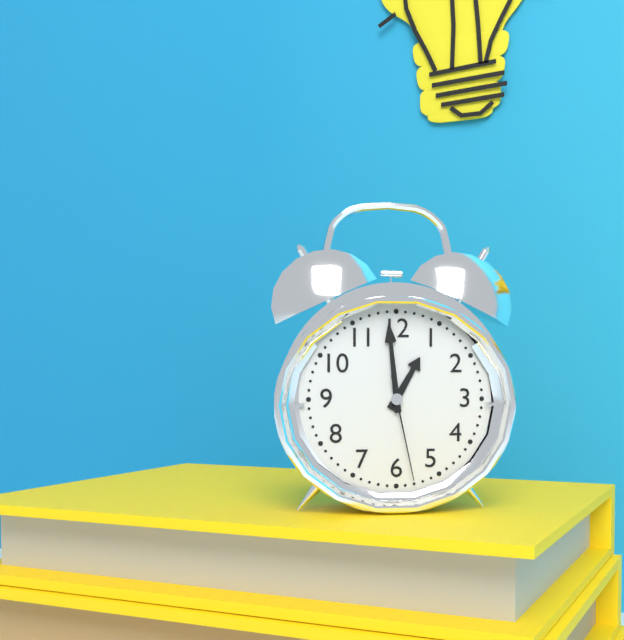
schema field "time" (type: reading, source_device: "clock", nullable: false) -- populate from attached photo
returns 12:59:28
